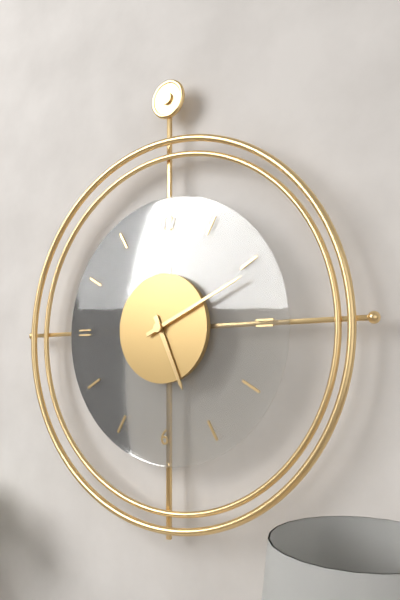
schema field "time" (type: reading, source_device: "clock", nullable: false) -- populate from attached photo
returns 5:11
